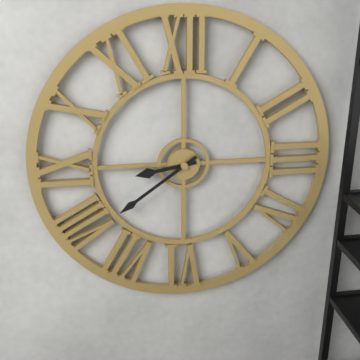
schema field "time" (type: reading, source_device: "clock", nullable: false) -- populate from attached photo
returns 8:39
